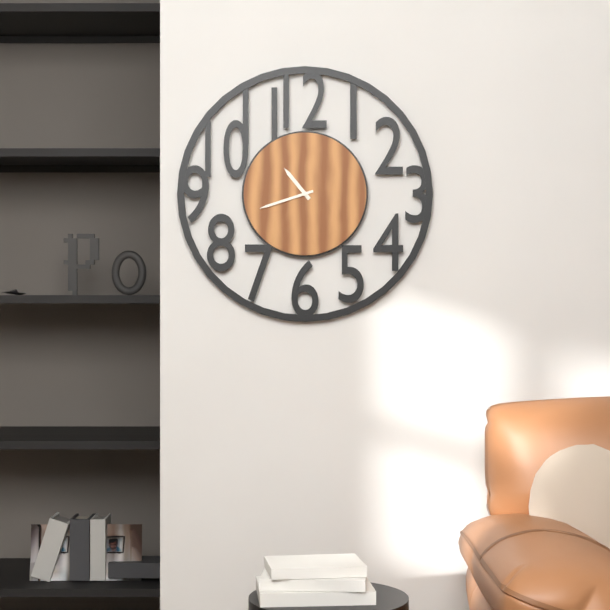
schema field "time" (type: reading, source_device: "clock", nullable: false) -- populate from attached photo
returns 10:42
